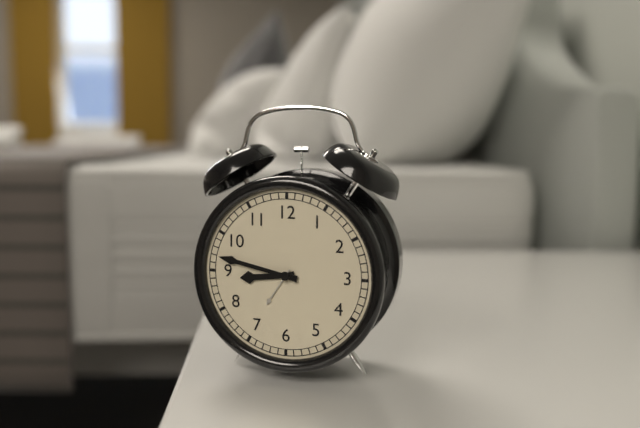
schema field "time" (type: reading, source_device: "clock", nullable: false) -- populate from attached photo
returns 8:47
